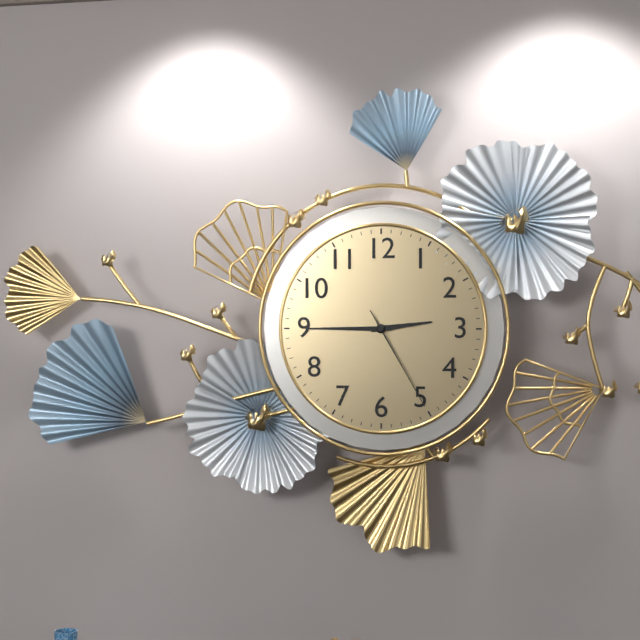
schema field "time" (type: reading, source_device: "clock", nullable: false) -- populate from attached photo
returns 2:45:25
